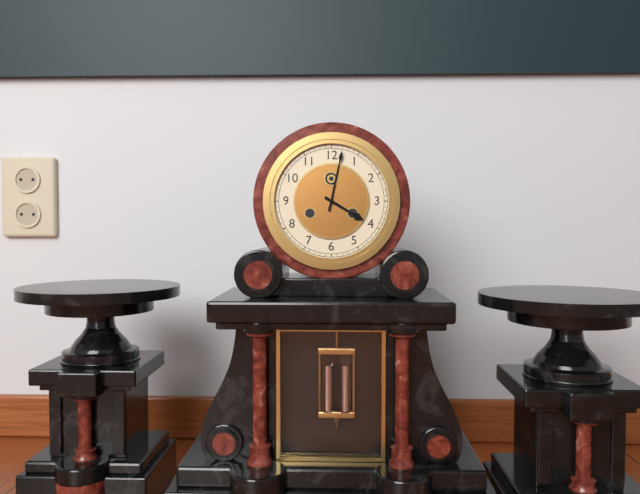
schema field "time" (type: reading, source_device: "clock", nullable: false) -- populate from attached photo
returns 4:02
